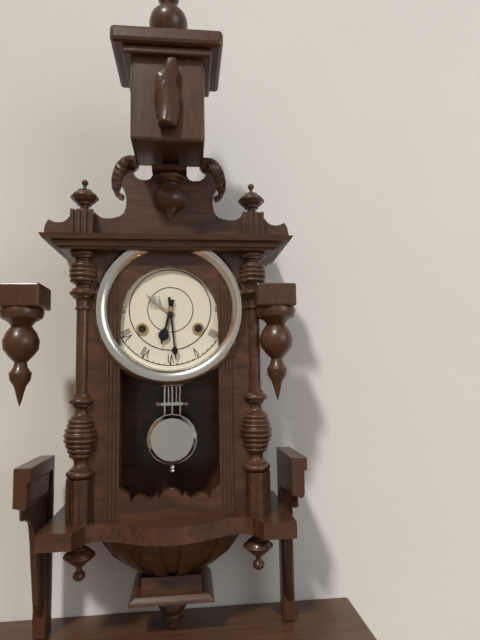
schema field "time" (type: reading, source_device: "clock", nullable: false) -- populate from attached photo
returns 6:29
